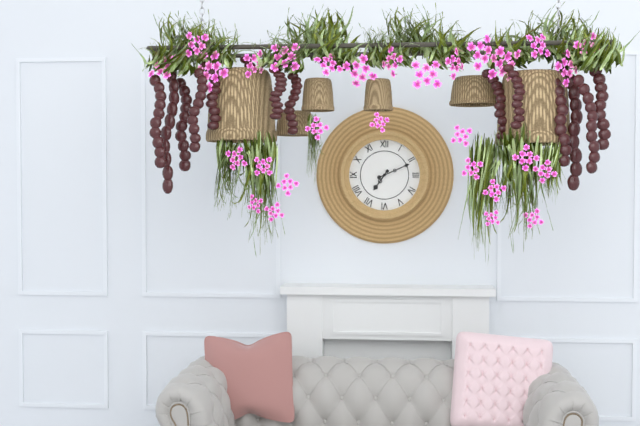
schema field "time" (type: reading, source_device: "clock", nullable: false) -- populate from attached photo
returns 7:11
